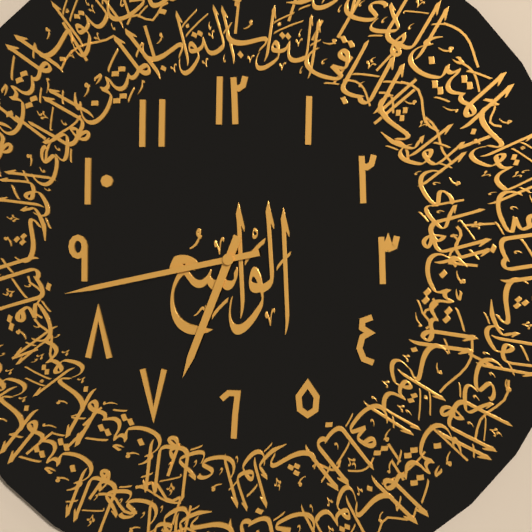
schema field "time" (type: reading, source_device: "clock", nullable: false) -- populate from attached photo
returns 6:43
